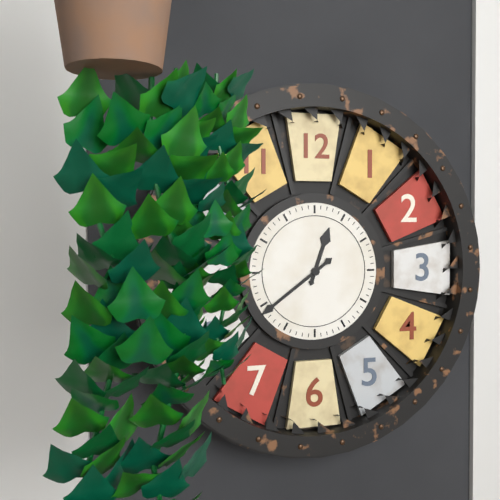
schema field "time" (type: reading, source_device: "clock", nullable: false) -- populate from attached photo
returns 12:39
